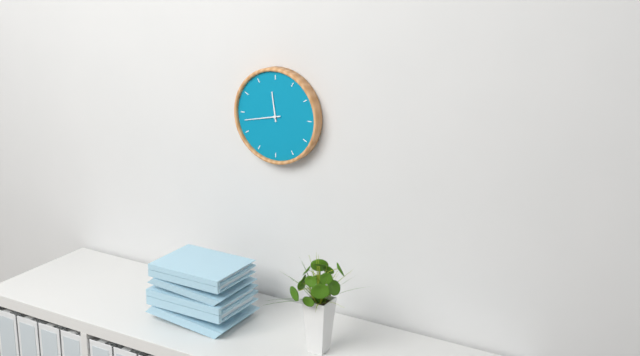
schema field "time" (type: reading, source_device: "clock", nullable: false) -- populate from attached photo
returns 11:43
